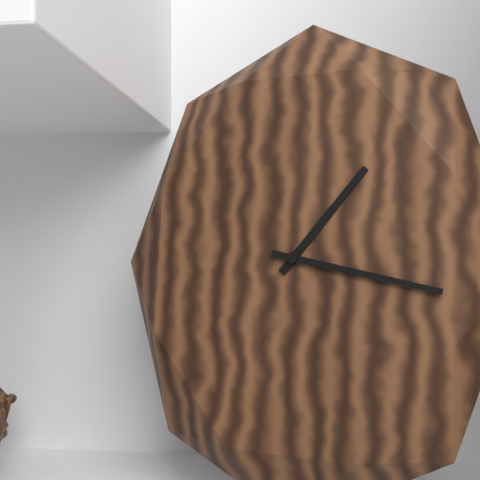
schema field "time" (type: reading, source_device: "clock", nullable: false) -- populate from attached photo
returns 1:17
